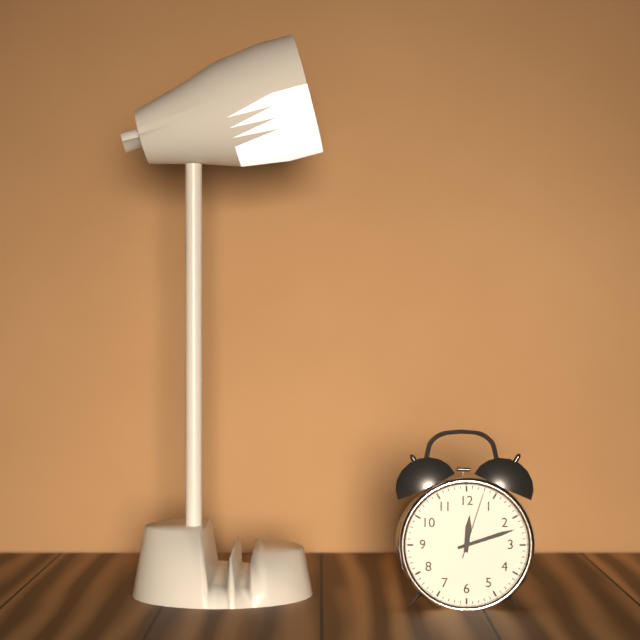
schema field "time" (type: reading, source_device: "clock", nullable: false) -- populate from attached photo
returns 12:12:03
